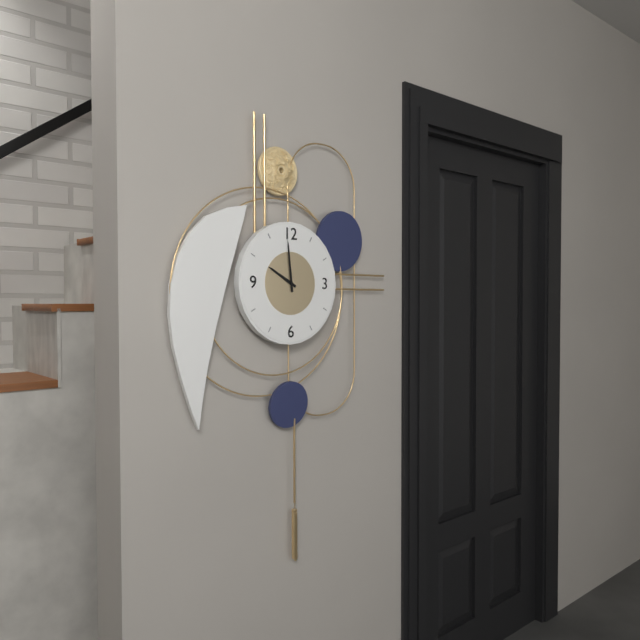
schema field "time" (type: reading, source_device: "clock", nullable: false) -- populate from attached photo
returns 9:59
